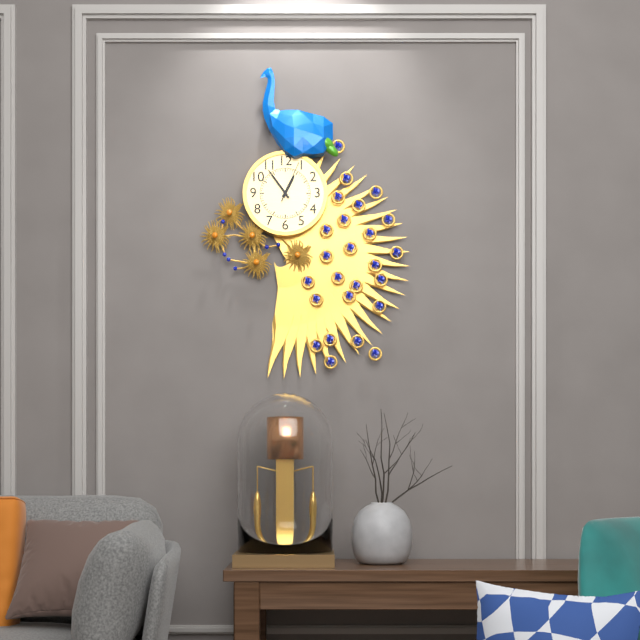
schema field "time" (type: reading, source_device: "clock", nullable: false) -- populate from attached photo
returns 12:54
